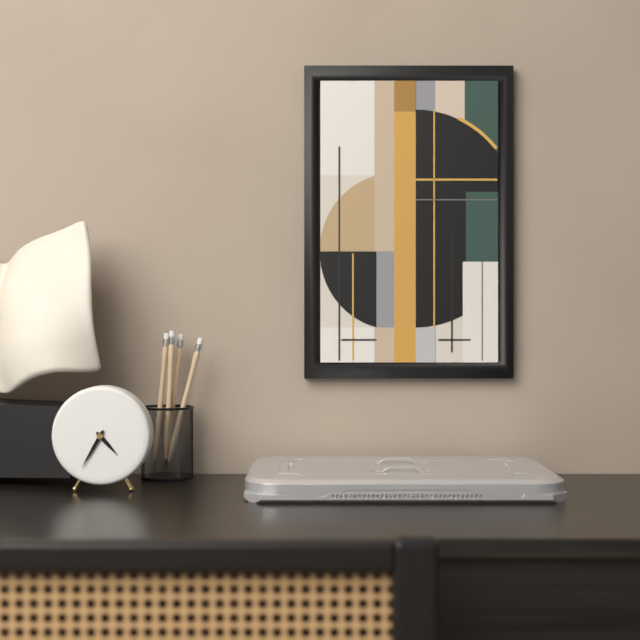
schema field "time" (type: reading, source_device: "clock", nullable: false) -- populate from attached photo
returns 4:35
